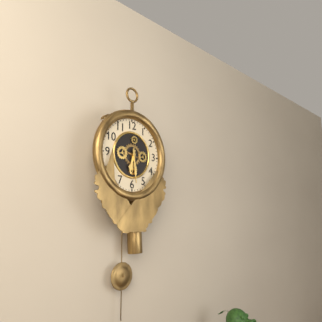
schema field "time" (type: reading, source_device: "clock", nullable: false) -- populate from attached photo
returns 6:29
